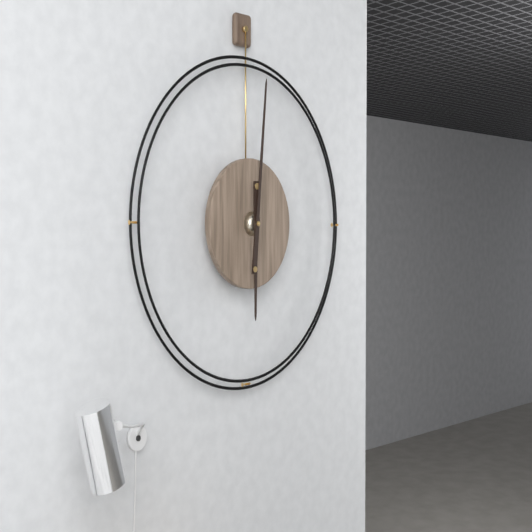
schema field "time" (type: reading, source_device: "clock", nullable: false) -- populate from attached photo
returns 6:01
